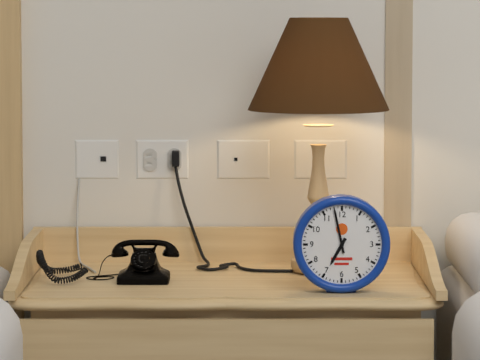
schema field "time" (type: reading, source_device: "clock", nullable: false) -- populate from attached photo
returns 6:58
